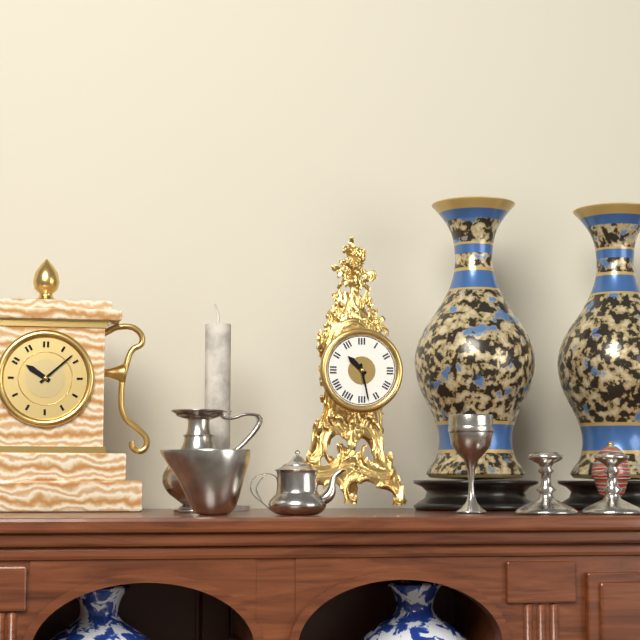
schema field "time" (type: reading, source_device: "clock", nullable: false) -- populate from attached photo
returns 10:28
